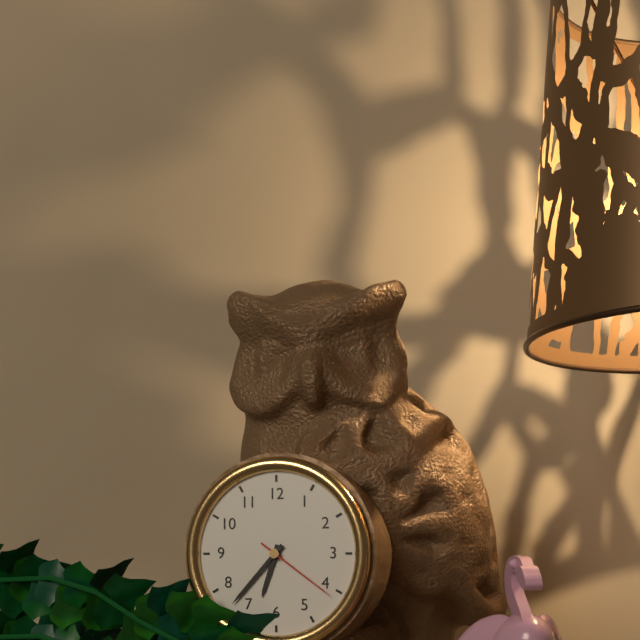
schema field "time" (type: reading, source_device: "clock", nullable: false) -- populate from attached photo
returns 6:37:21
